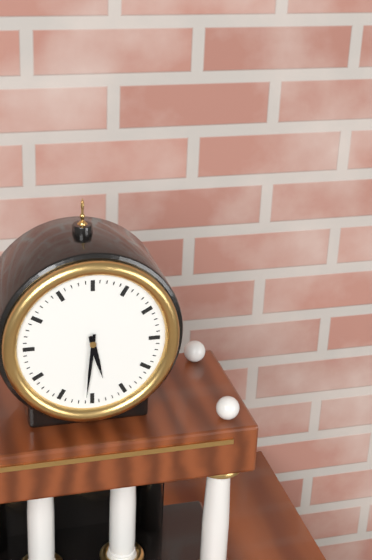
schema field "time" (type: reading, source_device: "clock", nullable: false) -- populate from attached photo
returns 5:31
